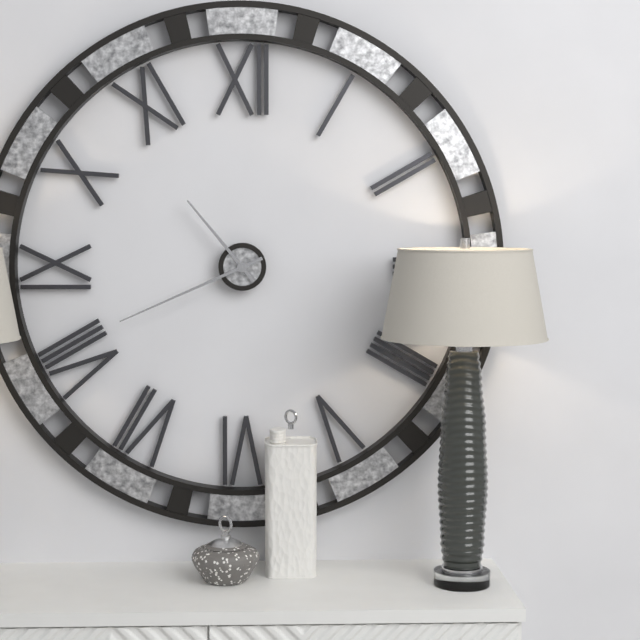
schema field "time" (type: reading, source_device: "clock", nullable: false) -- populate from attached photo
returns 10:41
